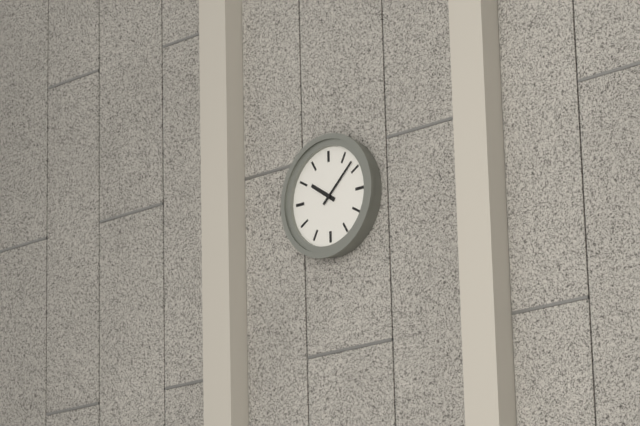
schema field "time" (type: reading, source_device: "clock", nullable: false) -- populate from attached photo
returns 10:08
